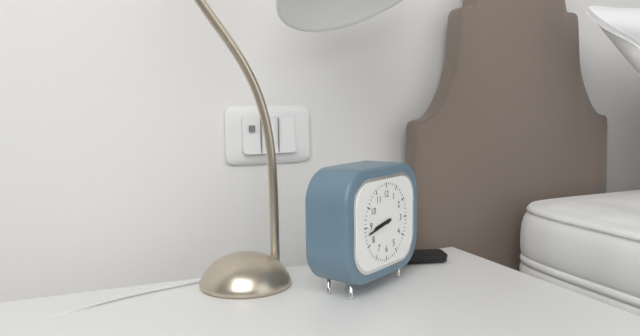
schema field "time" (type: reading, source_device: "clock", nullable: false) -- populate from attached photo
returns 8:43
